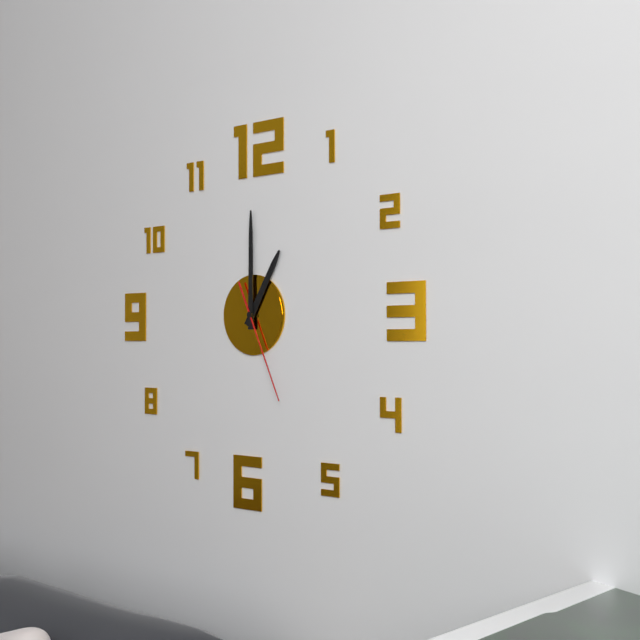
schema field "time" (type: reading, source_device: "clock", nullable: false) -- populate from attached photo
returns 1:00:26
